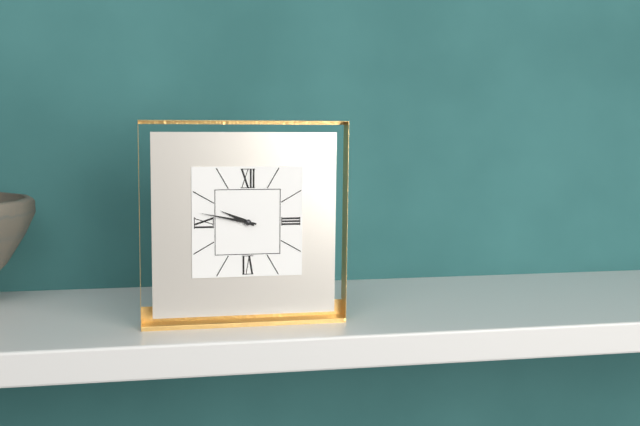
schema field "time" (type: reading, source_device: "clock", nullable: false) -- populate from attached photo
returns 9:47
